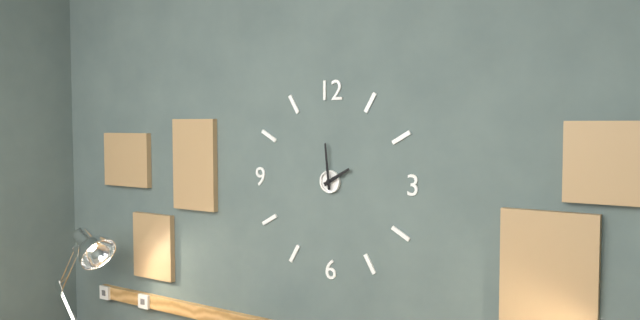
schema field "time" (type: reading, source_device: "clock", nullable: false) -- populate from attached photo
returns 1:59
